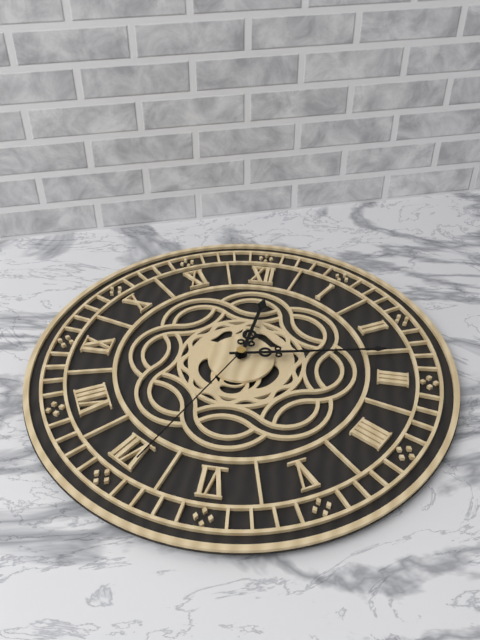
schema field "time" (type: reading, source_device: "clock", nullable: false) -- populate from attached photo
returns 12:13:34
